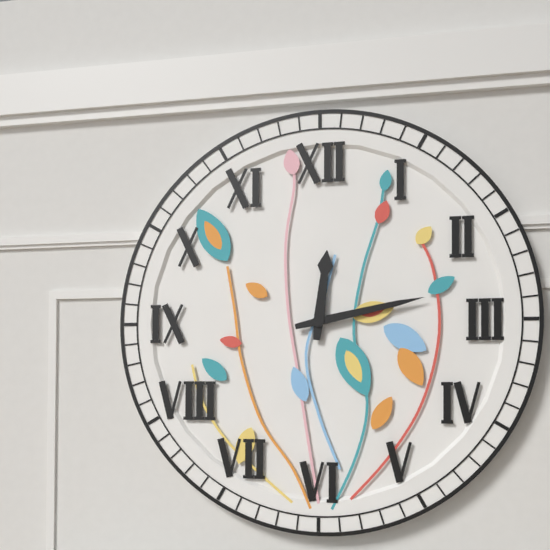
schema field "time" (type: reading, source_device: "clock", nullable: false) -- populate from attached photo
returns 12:13
